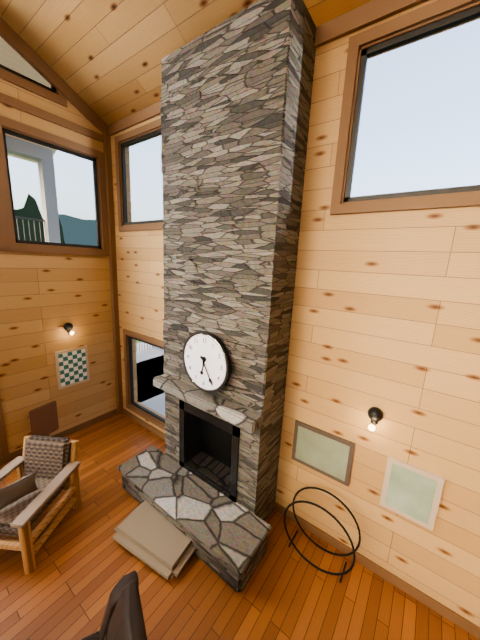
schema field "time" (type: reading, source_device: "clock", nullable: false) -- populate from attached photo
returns 6:25
